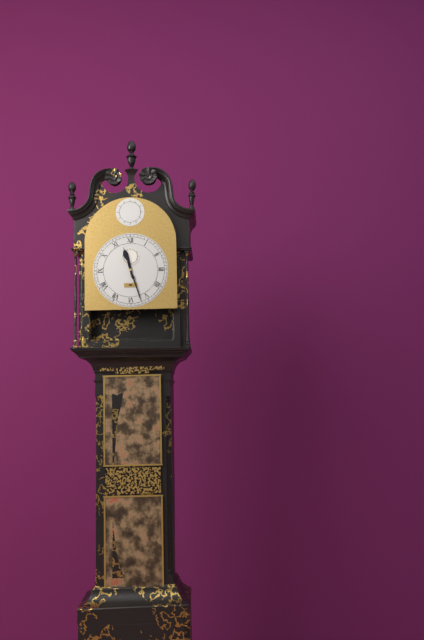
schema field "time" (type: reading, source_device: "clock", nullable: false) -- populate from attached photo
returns 11:27
